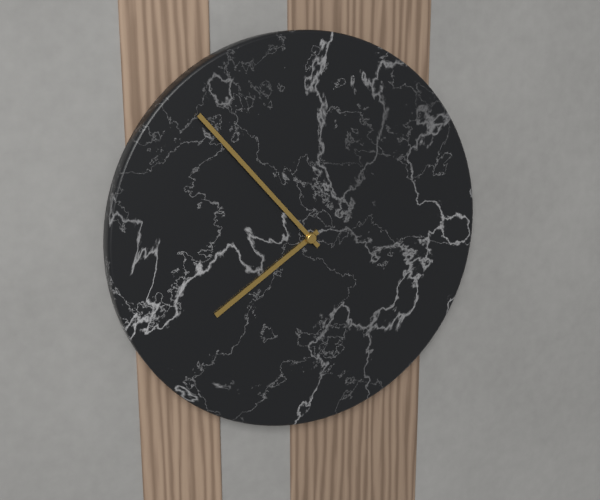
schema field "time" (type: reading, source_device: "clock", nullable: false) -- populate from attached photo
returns 7:53
